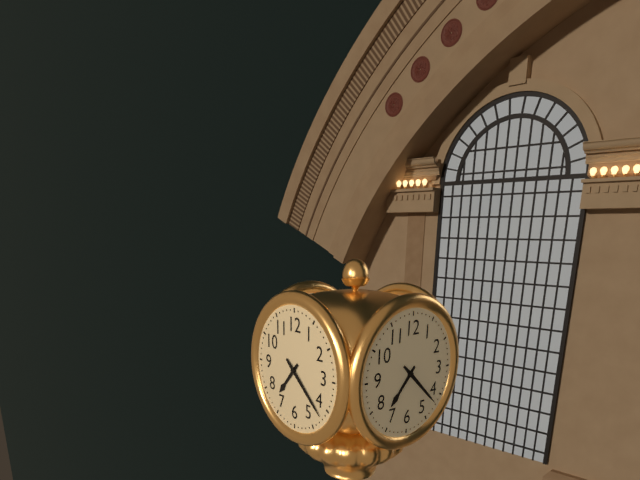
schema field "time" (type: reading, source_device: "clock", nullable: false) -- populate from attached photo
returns 7:22
